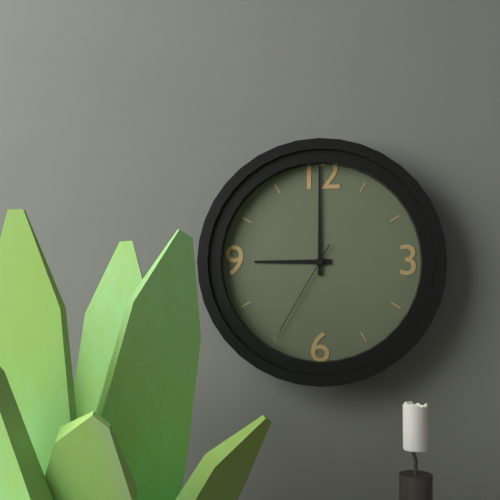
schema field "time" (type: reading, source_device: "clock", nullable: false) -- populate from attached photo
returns 9:00:35
